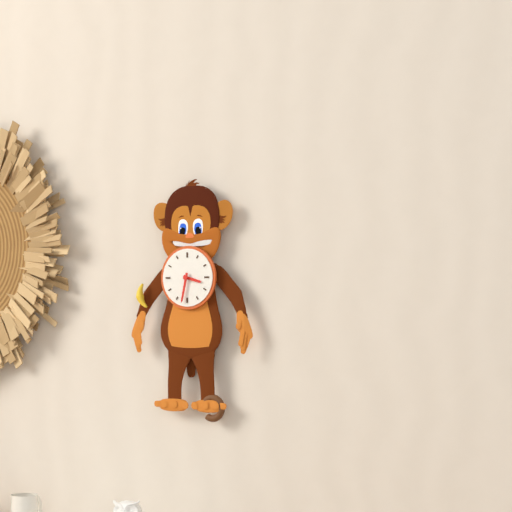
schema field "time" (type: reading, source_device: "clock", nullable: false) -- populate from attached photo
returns 3:32
